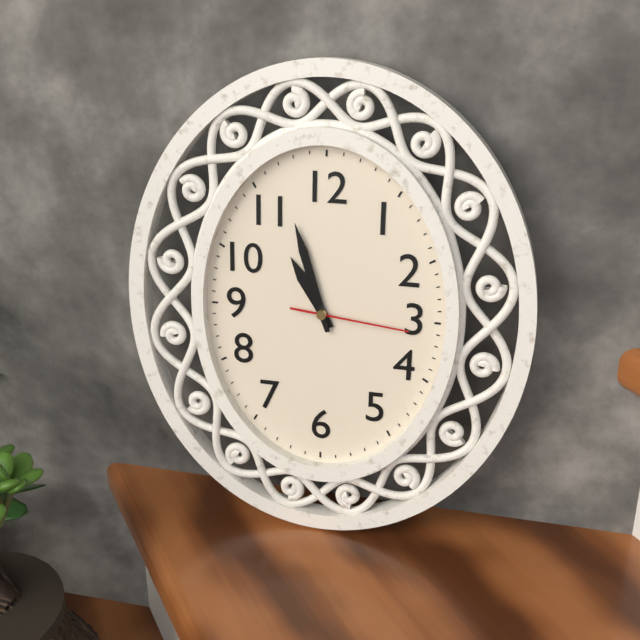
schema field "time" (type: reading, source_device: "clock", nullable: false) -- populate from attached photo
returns 10:57:16
